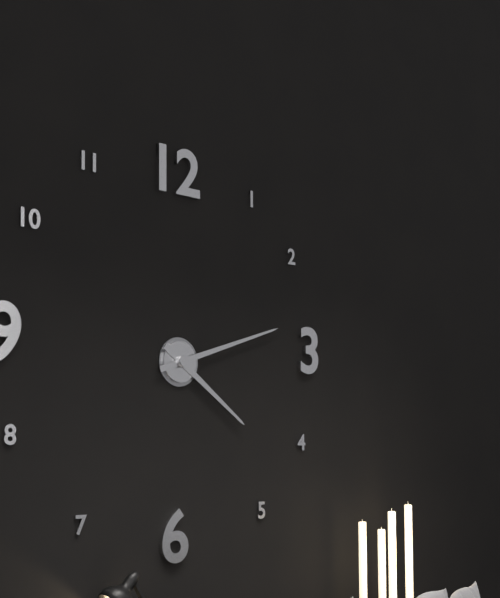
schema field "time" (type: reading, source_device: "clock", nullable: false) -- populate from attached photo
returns 4:12
